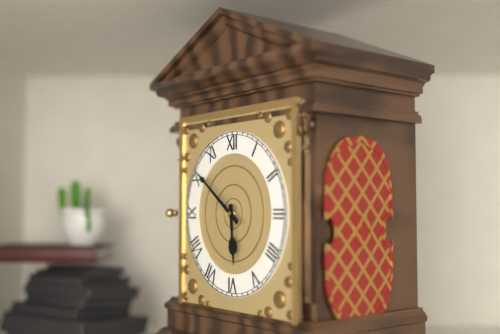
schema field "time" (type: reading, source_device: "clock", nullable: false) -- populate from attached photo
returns 5:51
